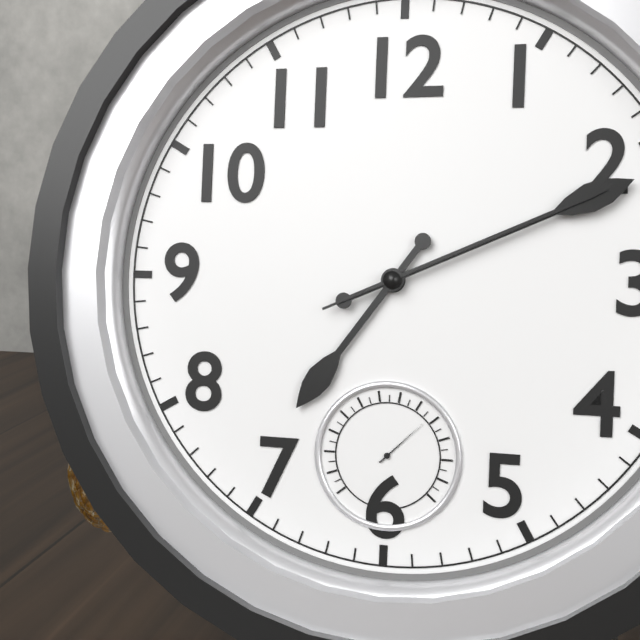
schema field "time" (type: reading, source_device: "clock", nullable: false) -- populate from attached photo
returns 7:11:11
